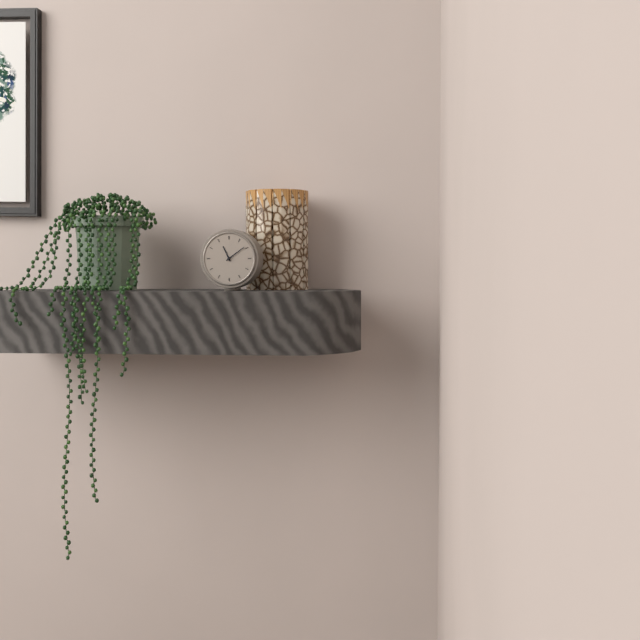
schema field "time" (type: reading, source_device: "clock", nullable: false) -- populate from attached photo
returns 11:09
